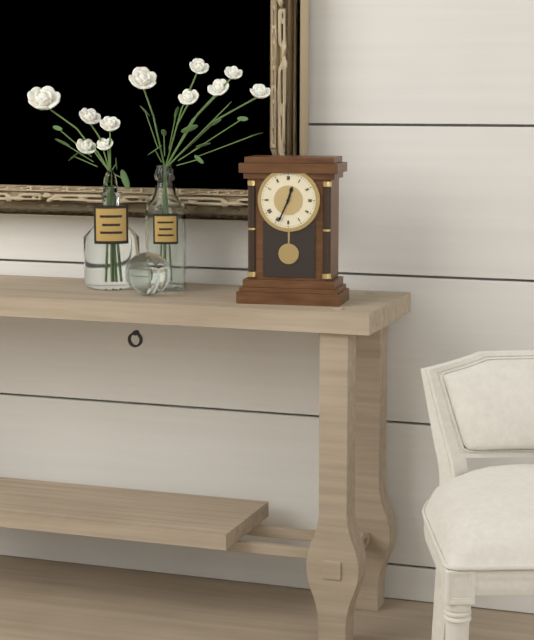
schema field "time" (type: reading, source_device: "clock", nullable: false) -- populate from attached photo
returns 12:34
